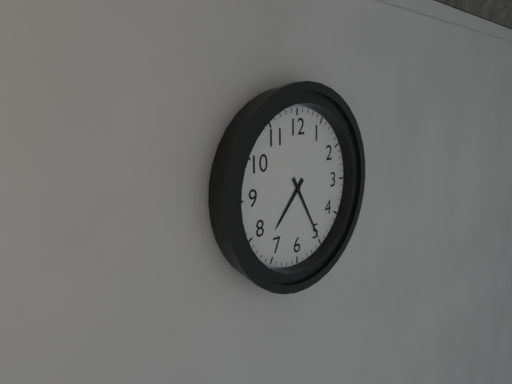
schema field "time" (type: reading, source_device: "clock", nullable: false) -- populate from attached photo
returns 7:25
